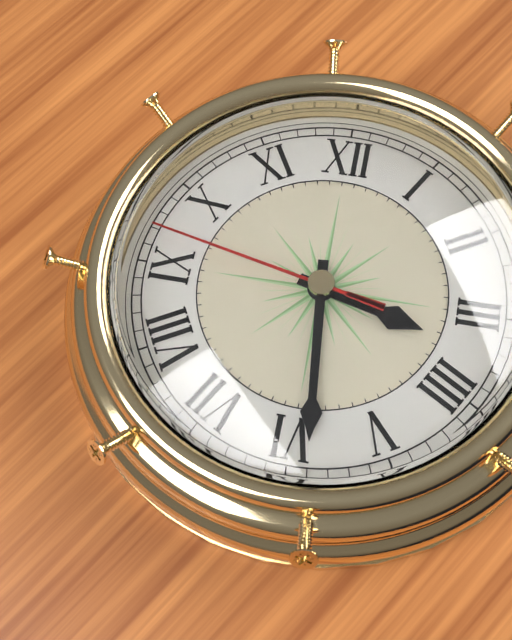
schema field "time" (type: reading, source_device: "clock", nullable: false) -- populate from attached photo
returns 3:29:47
